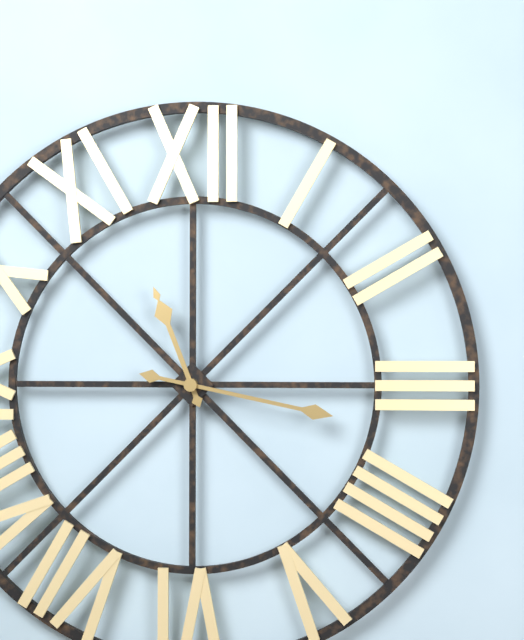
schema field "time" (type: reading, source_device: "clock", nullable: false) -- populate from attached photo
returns 11:17
